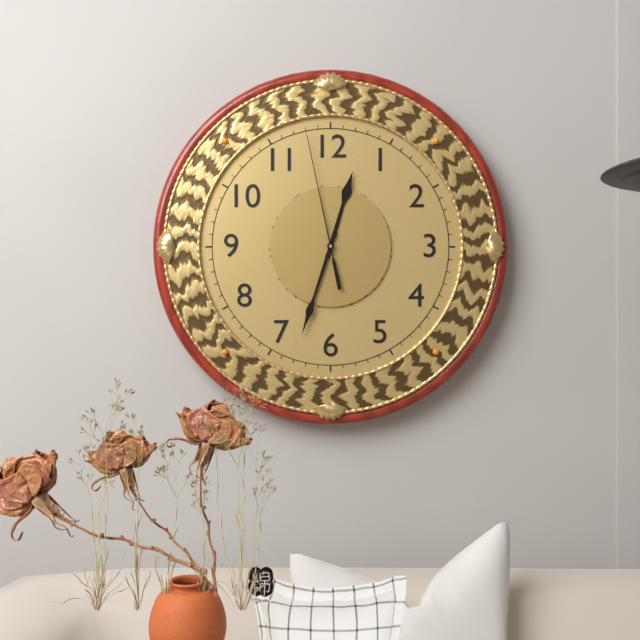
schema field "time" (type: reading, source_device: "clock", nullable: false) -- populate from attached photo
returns 12:33:58
